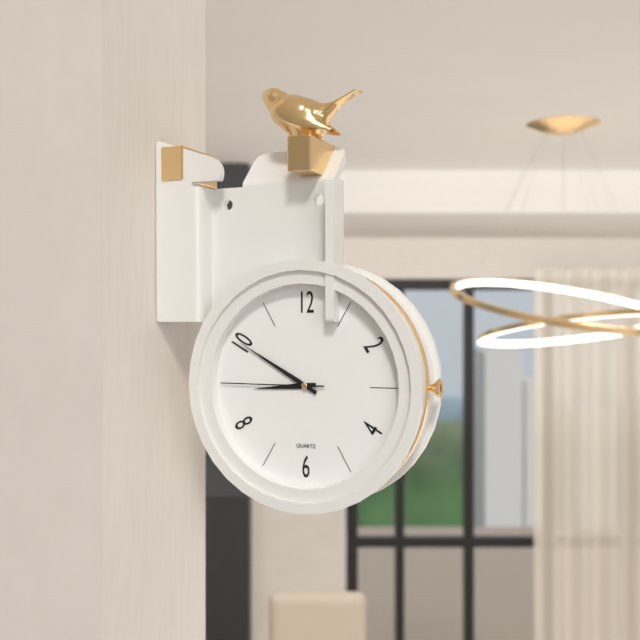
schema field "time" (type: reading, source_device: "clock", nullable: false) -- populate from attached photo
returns 8:50:45
